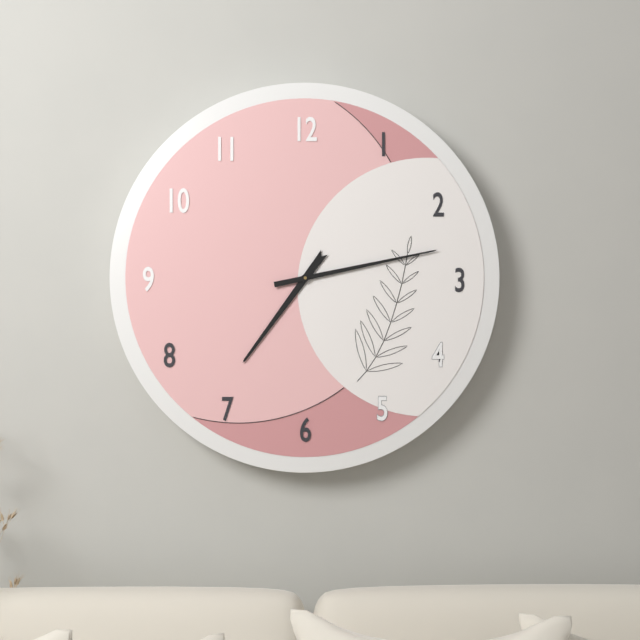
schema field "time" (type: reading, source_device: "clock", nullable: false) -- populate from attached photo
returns 7:13
